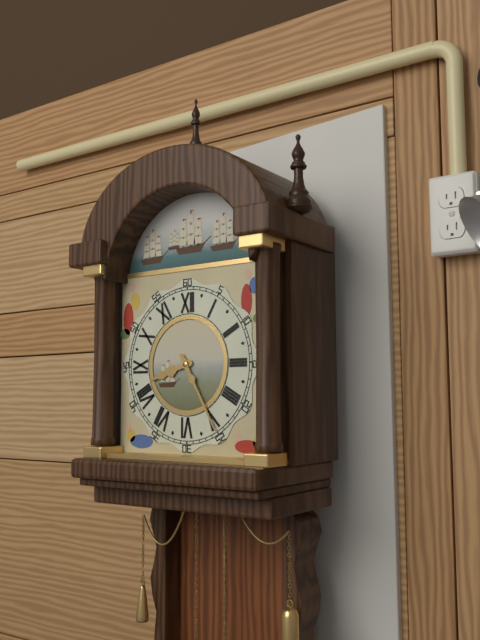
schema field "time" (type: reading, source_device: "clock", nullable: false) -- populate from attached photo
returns 8:25
